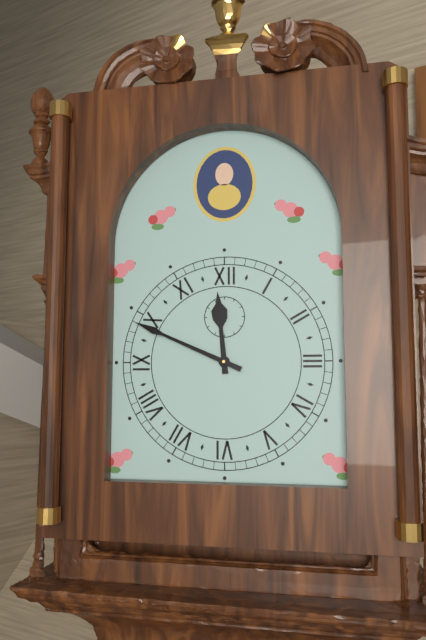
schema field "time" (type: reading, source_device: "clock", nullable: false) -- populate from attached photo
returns 11:49
